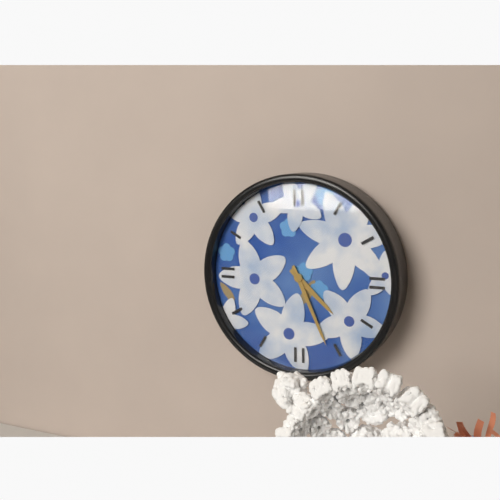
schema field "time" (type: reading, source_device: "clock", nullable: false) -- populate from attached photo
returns 4:26
